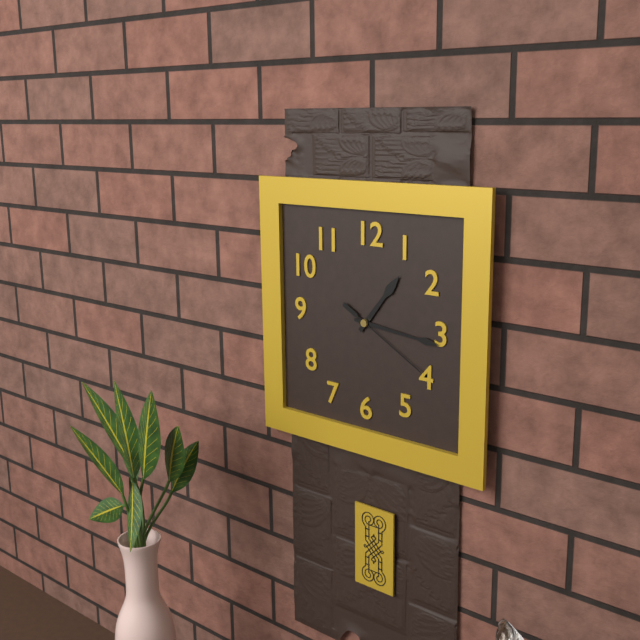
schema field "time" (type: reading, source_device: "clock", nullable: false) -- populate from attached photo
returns 1:16:20
